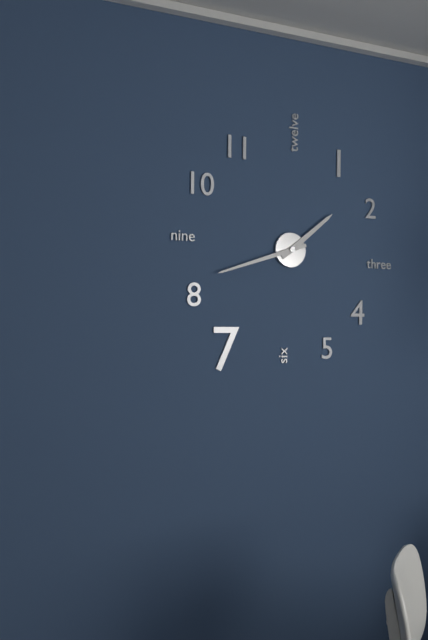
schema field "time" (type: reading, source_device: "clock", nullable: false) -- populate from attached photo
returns 1:42
